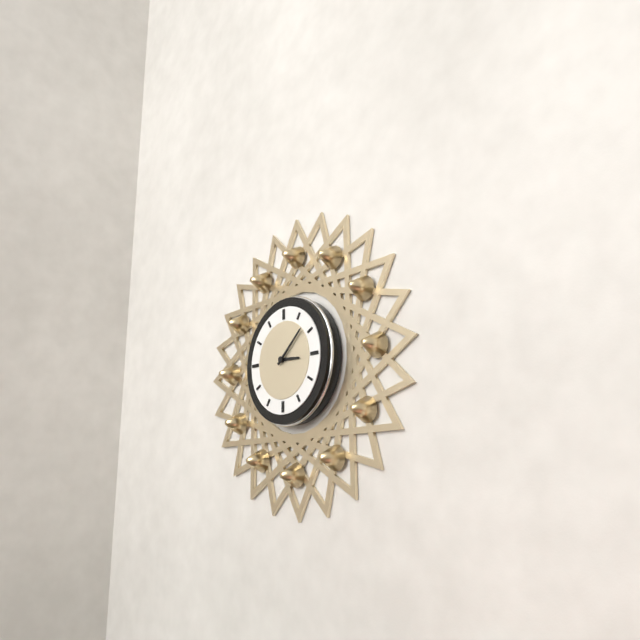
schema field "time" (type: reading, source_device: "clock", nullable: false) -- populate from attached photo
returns 3:08
